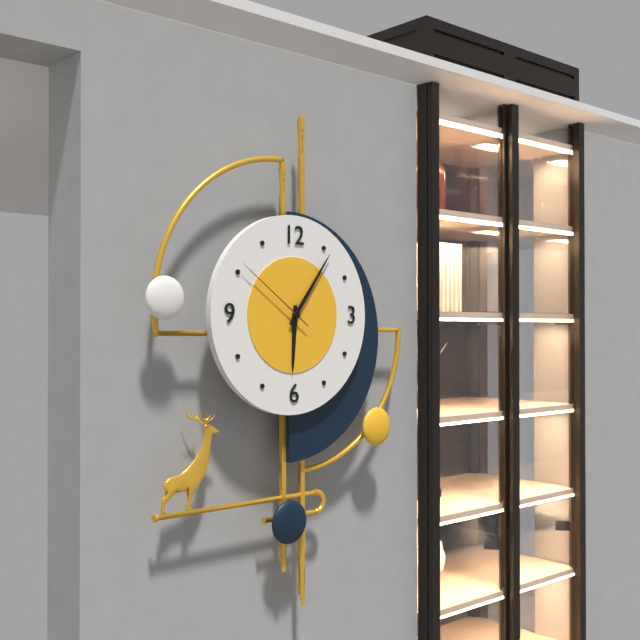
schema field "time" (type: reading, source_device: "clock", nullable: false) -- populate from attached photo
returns 6:06:51
